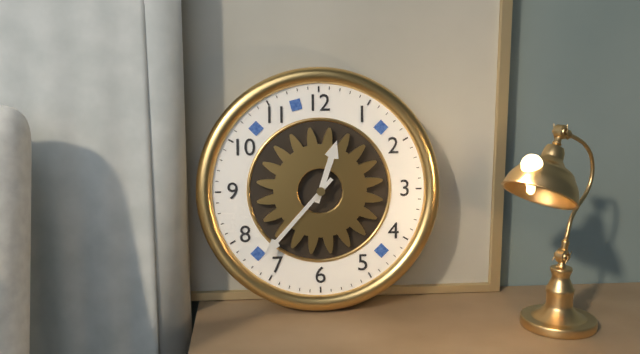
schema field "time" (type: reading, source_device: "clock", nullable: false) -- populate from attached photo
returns 12:37
